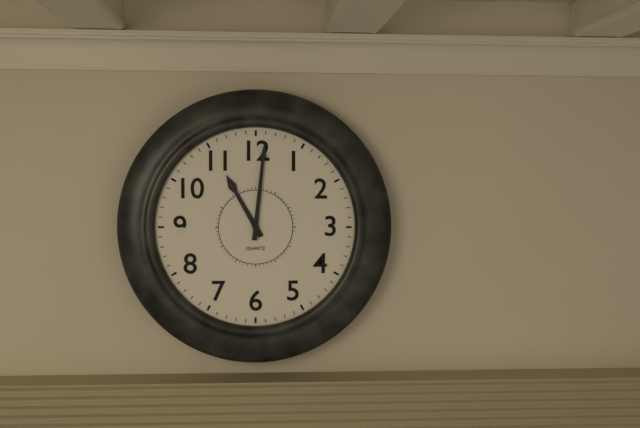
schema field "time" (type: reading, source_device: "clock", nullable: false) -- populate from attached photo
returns 11:01
